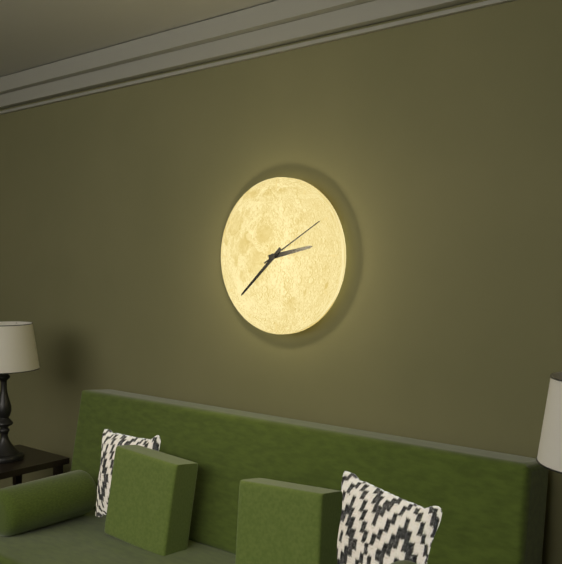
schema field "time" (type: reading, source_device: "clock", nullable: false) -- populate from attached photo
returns 2:38:10
